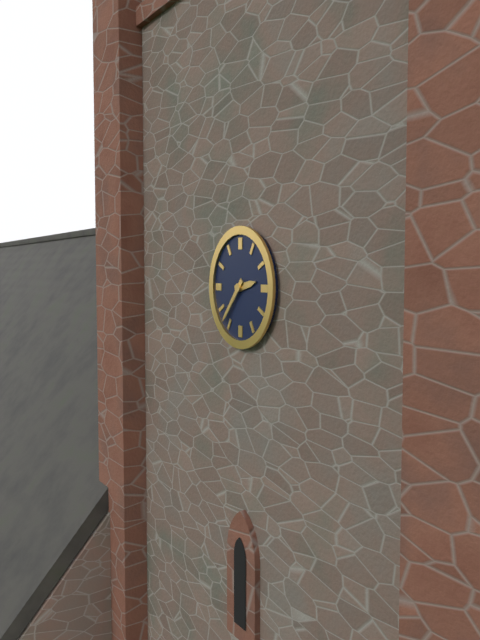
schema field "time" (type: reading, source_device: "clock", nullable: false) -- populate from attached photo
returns 2:37
